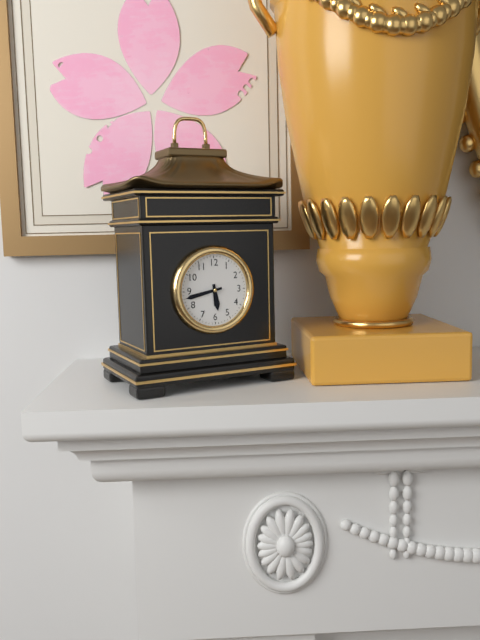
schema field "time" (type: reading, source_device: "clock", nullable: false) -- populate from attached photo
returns 5:43
